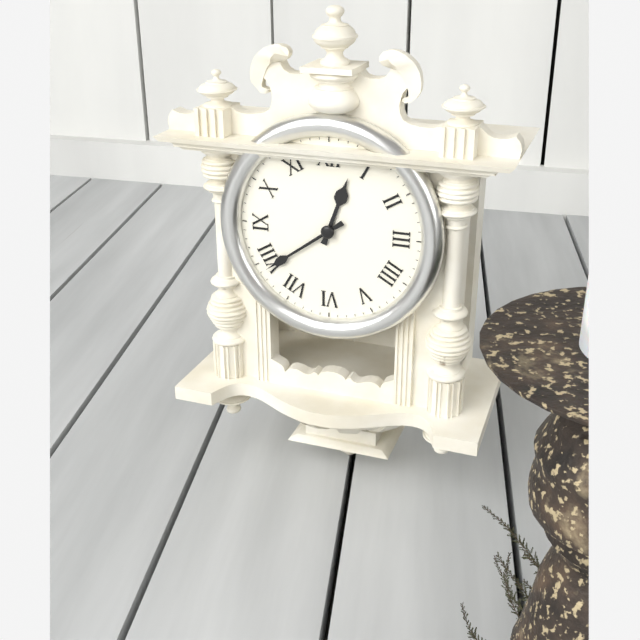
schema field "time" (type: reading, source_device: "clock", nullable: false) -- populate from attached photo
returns 12:39
